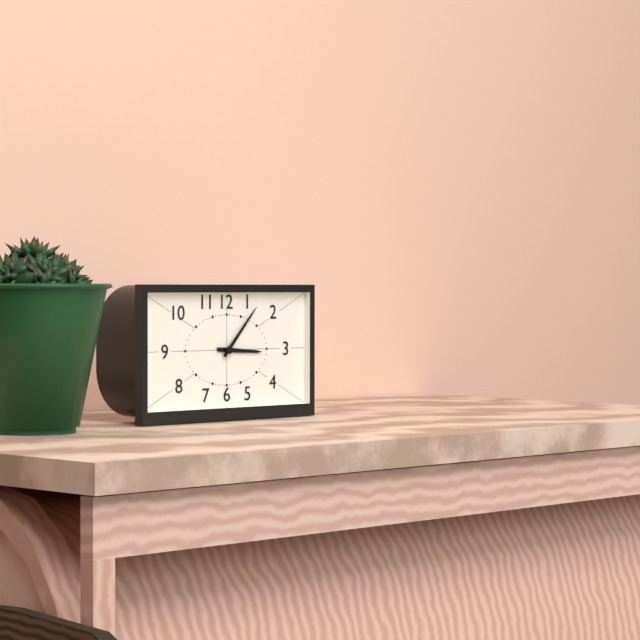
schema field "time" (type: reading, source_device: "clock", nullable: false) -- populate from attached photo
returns 3:07
